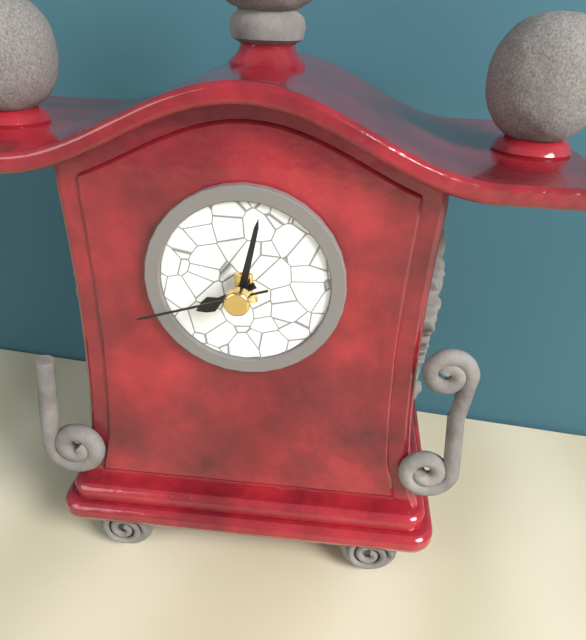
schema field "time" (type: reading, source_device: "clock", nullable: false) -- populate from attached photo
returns 8:02:42
